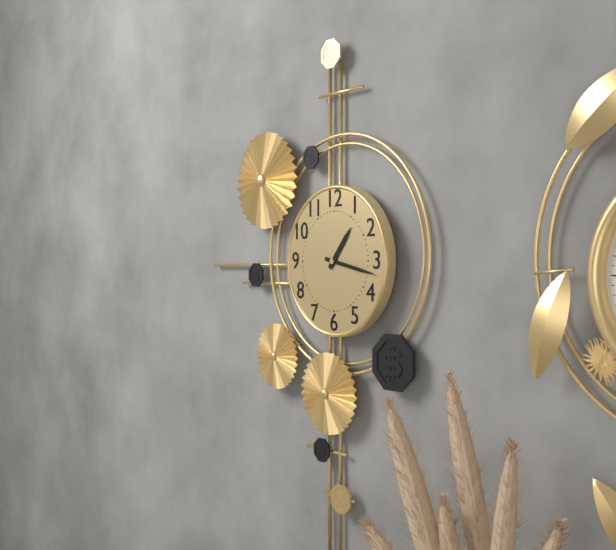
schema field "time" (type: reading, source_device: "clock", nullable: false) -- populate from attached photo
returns 1:17
